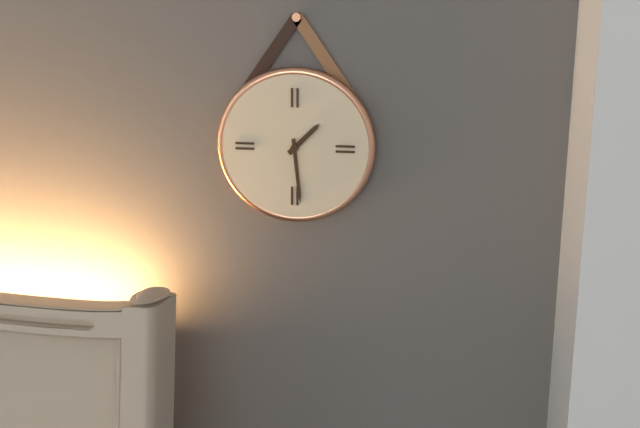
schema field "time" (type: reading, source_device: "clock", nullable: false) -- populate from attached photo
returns 1:29
